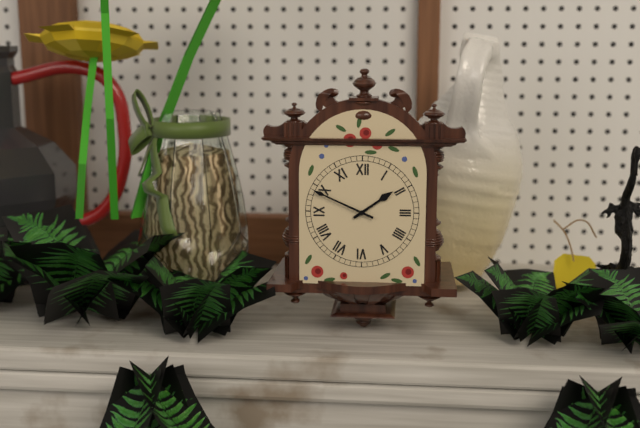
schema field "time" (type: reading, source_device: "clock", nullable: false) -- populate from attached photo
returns 1:49
